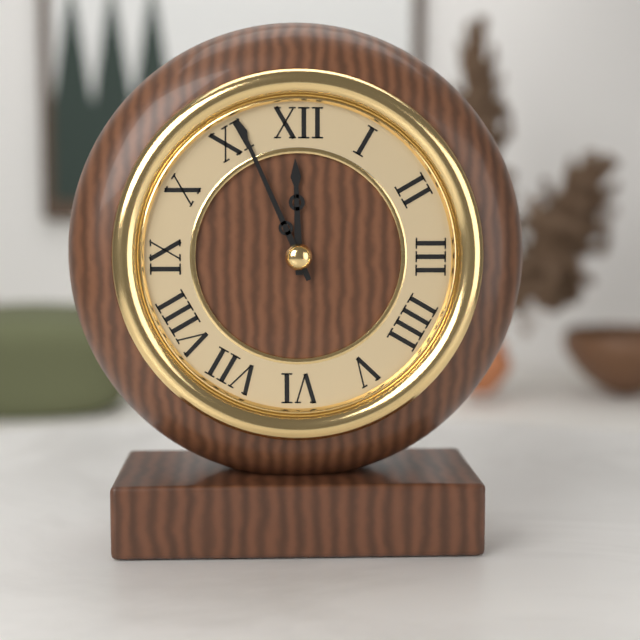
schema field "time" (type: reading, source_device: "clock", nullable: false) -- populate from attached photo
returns 11:56
